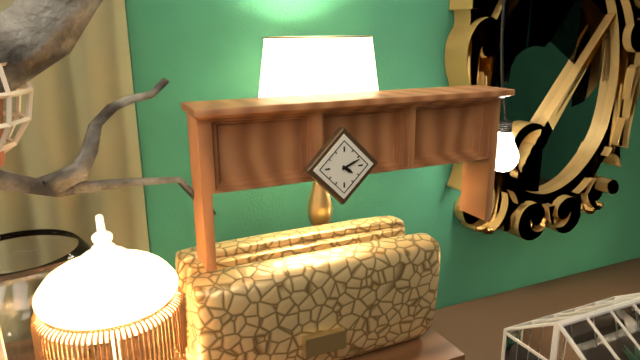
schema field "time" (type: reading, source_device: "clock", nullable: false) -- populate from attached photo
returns 4:11
